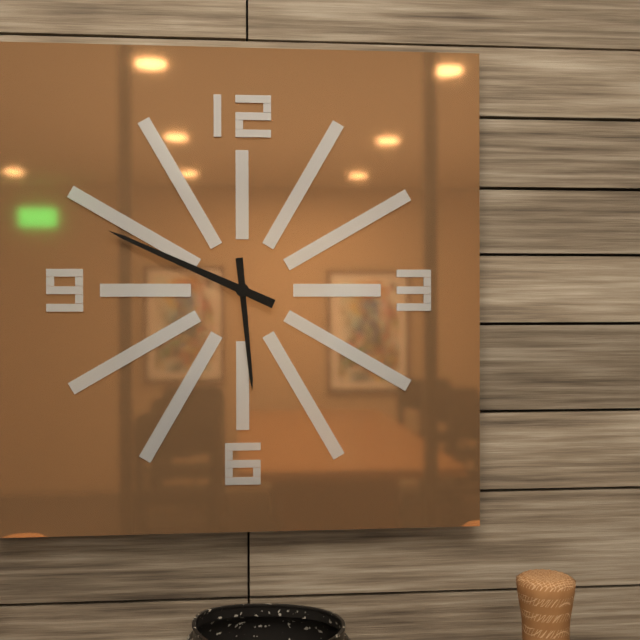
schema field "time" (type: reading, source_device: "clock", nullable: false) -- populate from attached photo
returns 5:49
